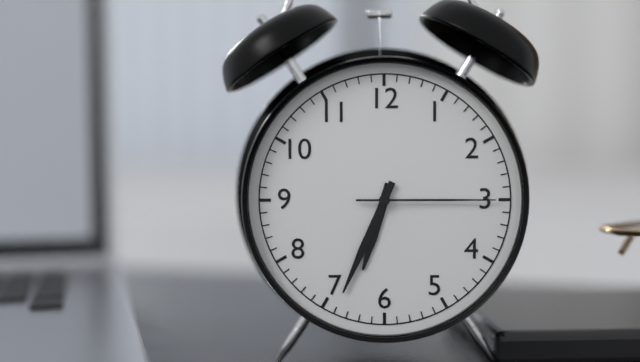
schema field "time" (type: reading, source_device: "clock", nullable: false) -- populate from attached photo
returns 6:34:15
